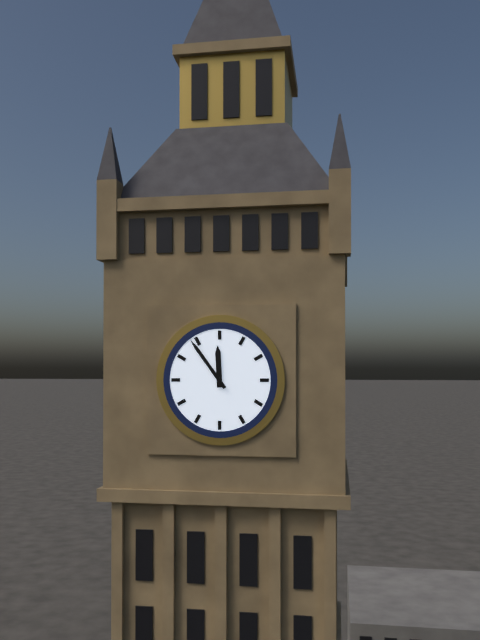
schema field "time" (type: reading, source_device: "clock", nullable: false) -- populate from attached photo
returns 11:54
